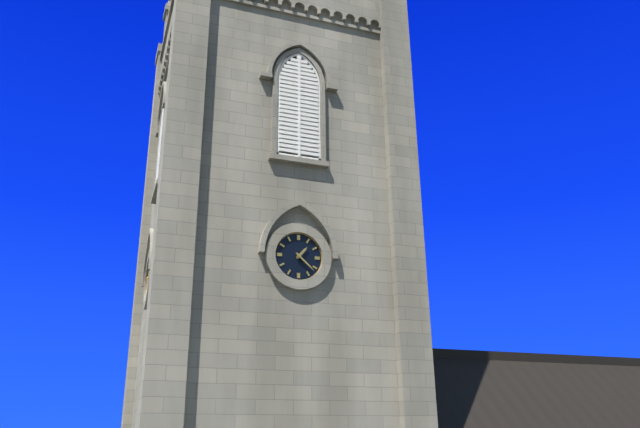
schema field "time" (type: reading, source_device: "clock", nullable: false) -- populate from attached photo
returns 1:22
